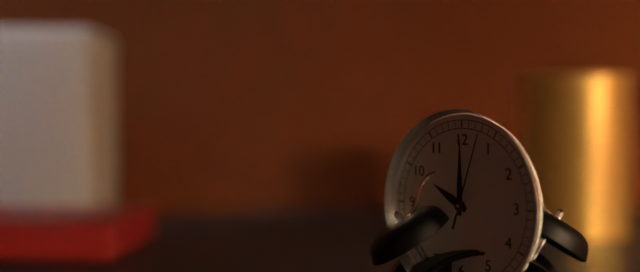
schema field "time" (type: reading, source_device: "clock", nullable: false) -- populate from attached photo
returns 10:00:03
